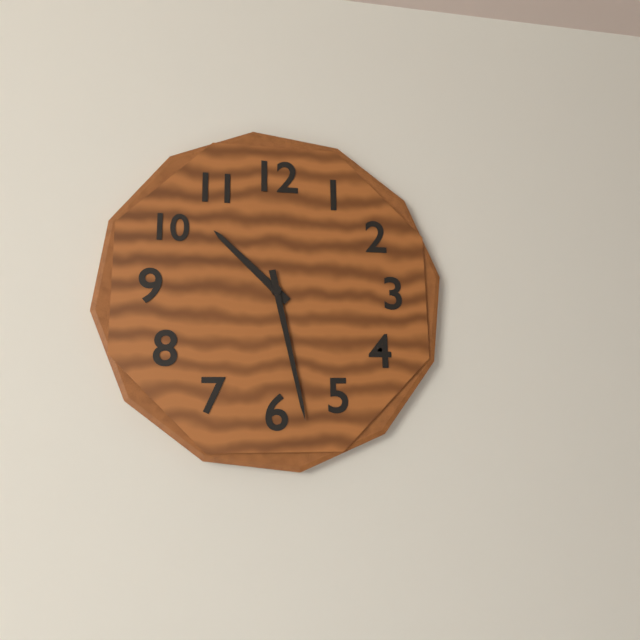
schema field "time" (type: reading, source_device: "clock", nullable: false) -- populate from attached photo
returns 10:28
